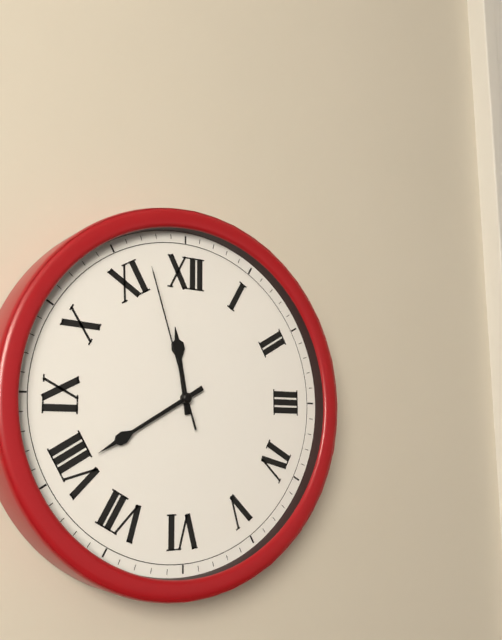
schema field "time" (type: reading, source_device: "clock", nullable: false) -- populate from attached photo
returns 11:40:57
